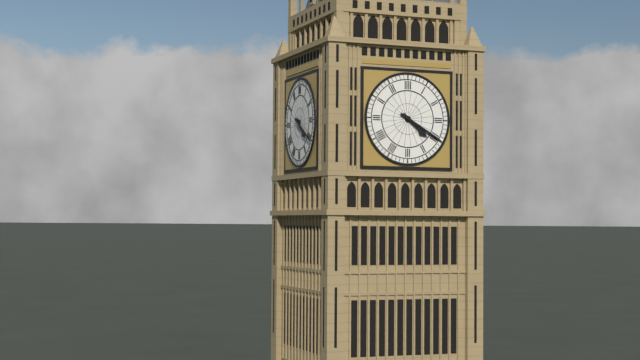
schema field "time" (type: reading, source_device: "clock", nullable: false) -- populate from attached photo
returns 4:20
